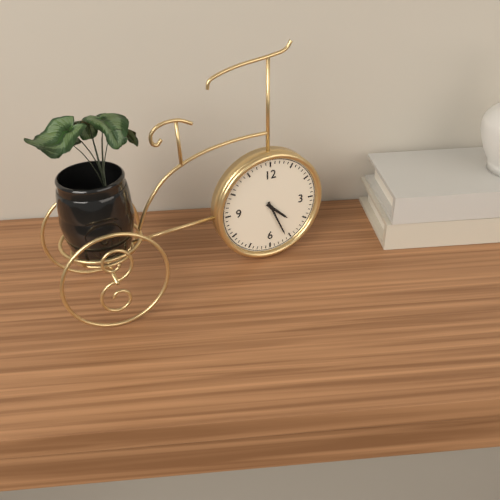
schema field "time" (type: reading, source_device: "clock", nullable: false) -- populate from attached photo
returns 4:26
